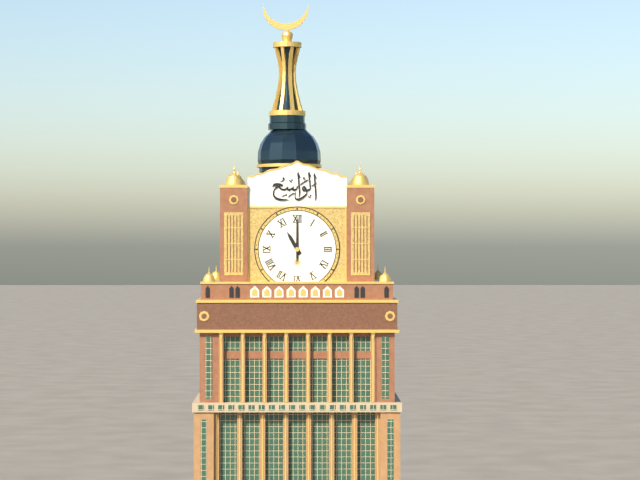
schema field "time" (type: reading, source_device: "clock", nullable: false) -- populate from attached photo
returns 11:00
